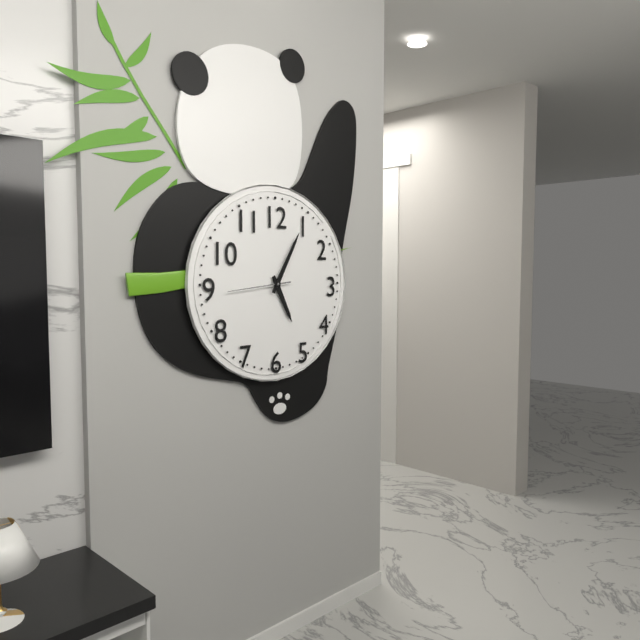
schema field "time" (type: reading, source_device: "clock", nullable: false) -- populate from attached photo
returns 5:05:44
